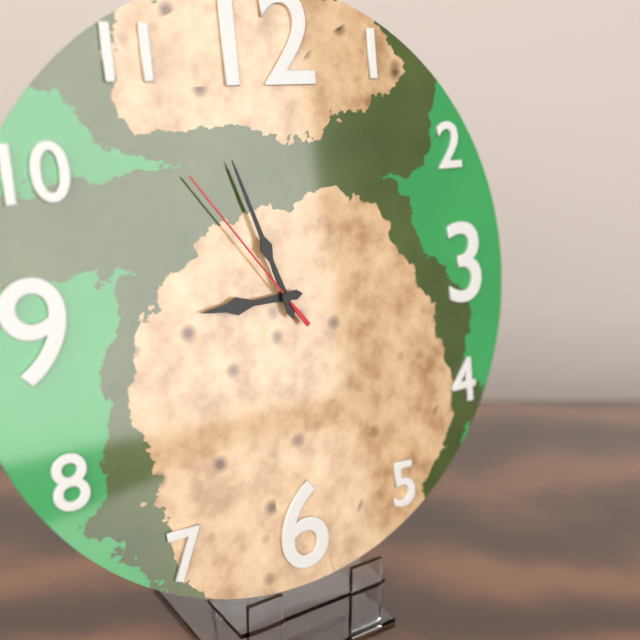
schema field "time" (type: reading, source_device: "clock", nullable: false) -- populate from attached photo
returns 8:57:54
